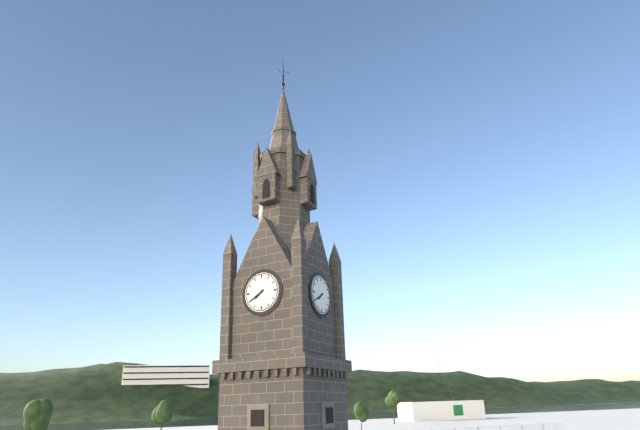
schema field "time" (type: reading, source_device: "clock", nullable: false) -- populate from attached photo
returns 7:40
